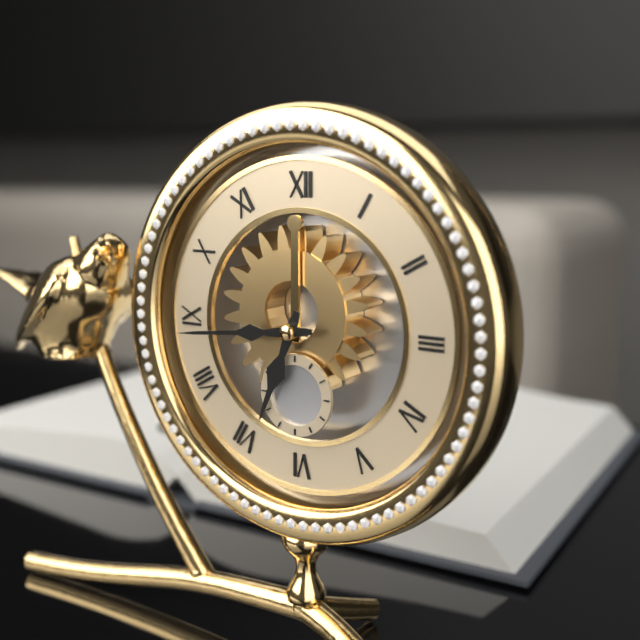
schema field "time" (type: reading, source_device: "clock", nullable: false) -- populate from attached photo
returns 6:44
